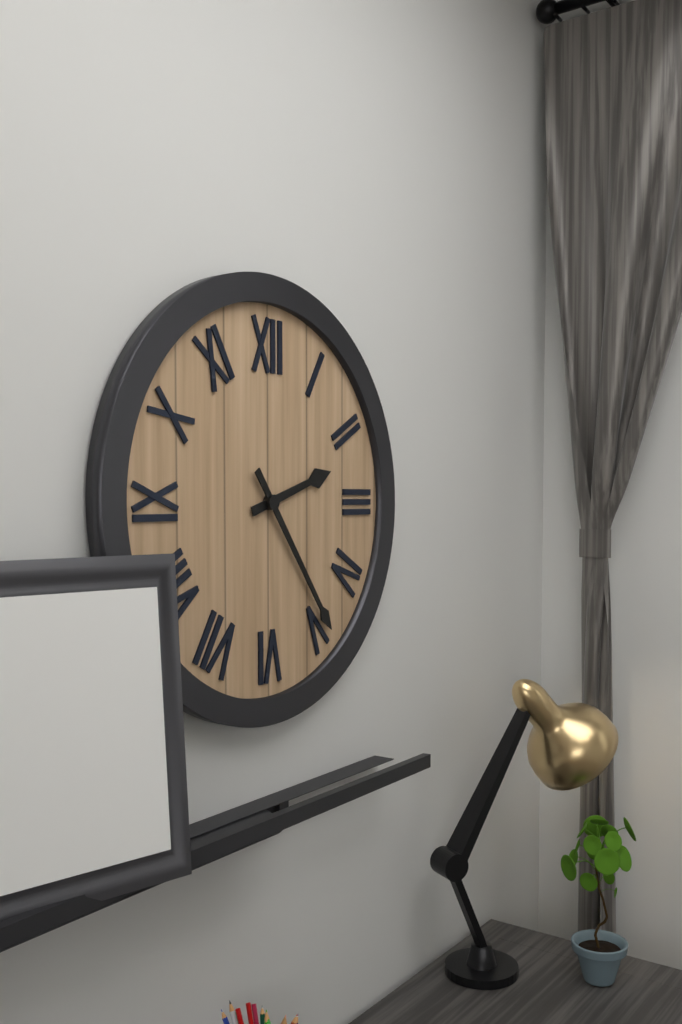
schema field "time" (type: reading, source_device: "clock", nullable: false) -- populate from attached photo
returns 2:24
